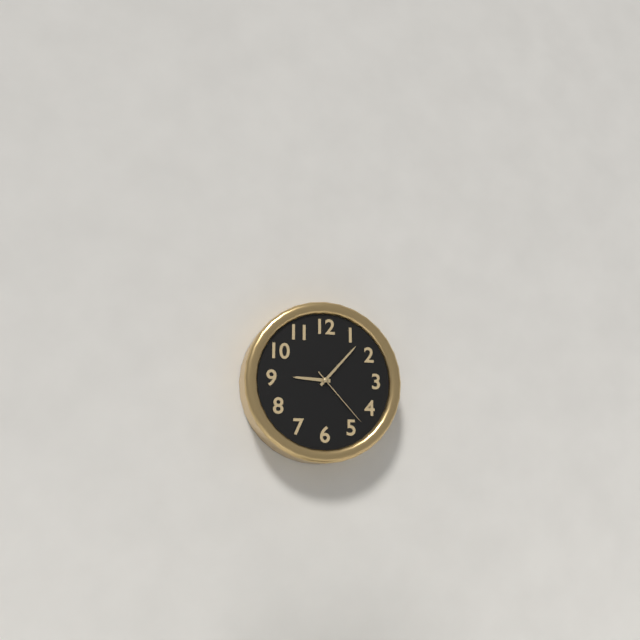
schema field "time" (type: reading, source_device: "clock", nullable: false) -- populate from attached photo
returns 9:07:23
